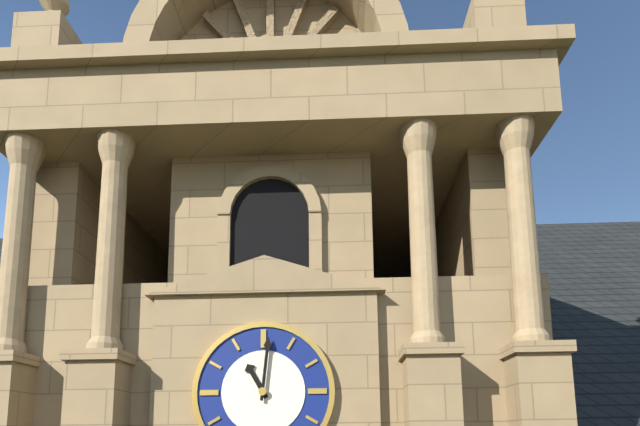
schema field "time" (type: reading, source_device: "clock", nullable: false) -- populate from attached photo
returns 11:01
